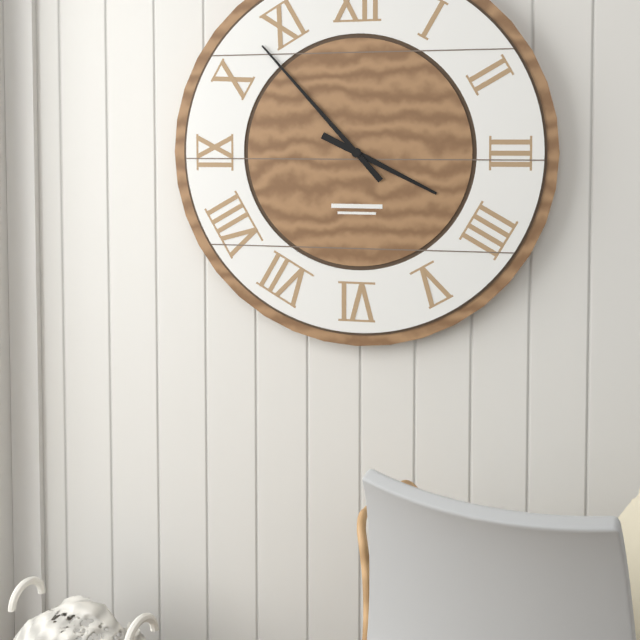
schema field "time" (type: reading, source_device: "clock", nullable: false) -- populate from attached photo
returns 3:53
